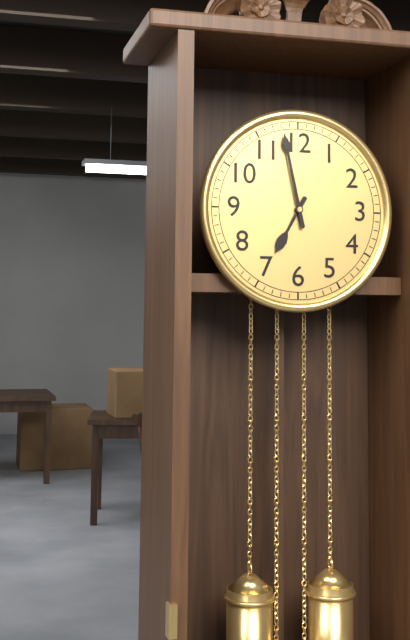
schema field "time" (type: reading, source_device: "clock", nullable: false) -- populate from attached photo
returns 6:58
